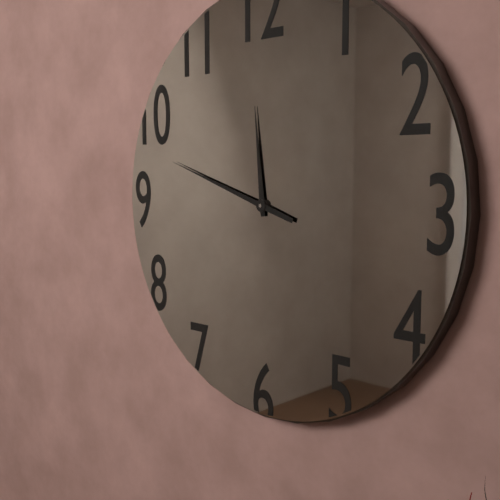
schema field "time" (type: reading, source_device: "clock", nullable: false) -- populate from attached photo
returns 11:48
